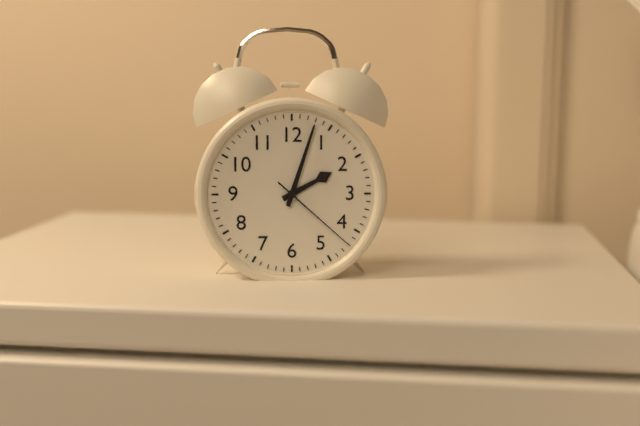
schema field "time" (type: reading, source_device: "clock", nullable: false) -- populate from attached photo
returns 2:03:22
